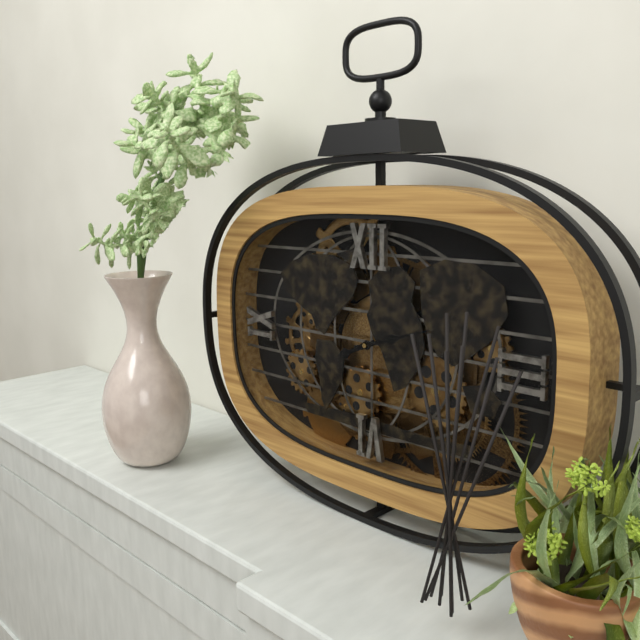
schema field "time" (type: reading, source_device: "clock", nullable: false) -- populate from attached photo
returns 8:12
